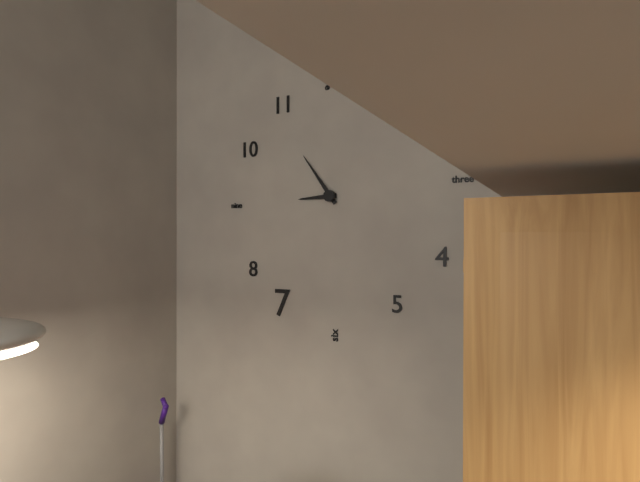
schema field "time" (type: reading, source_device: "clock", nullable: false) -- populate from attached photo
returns 8:54
